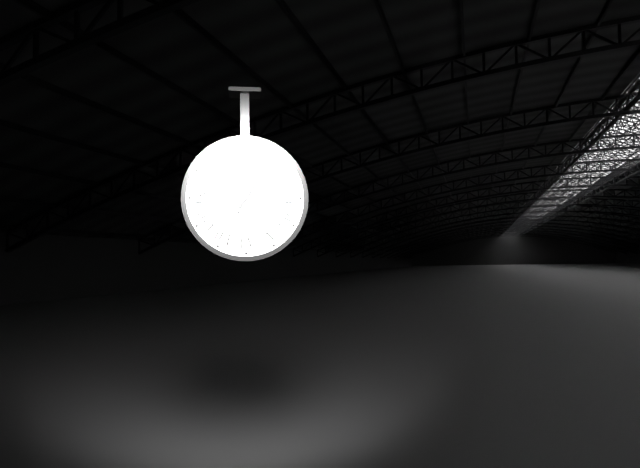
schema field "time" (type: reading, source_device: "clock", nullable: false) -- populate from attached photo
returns 1:05
